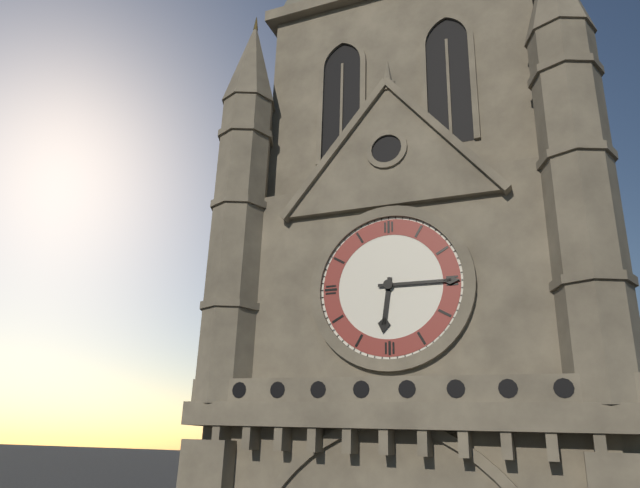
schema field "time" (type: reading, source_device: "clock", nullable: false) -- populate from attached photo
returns 6:15
